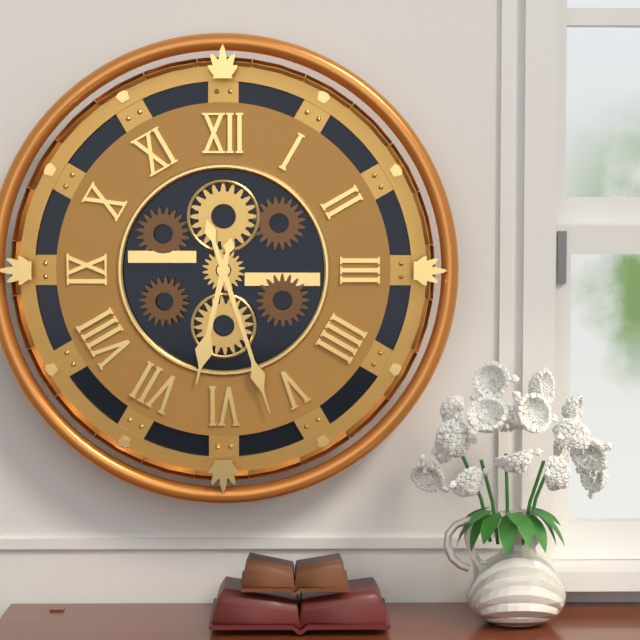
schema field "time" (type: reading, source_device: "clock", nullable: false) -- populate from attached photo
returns 6:27
